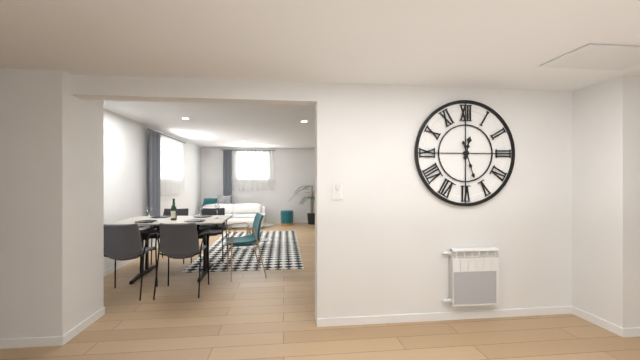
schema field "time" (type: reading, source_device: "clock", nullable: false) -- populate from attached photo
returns 12:27
